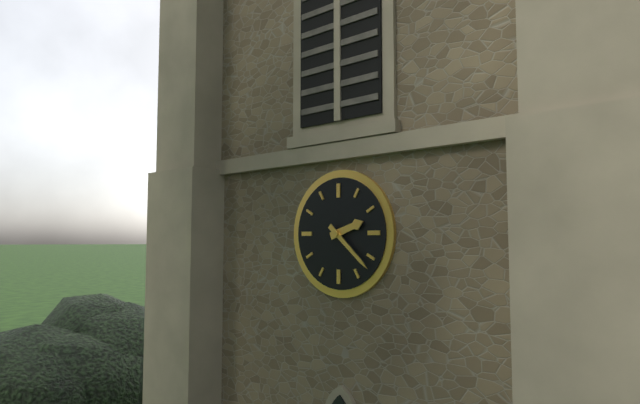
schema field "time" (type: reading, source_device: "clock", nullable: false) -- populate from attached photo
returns 2:22
